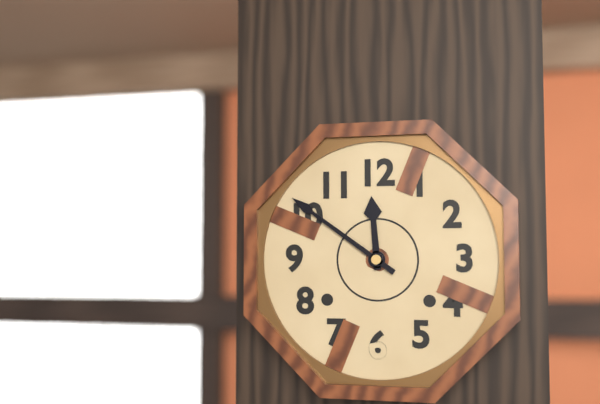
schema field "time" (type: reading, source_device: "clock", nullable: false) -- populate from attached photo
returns 11:51
